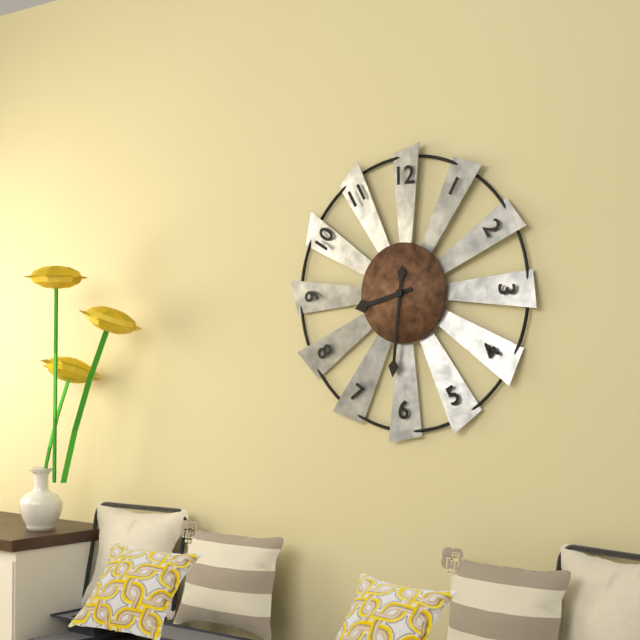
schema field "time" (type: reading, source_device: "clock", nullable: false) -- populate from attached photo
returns 8:31
